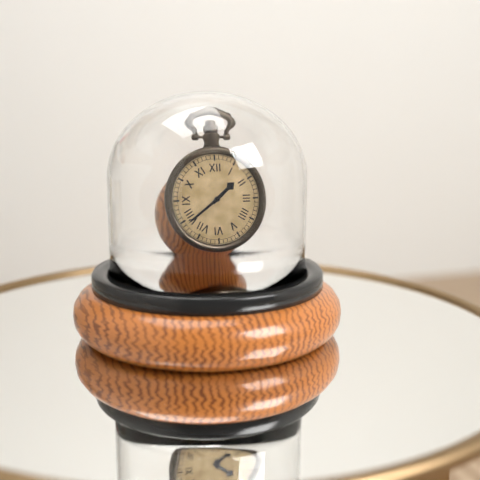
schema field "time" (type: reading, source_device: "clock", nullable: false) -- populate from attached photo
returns 1:39
